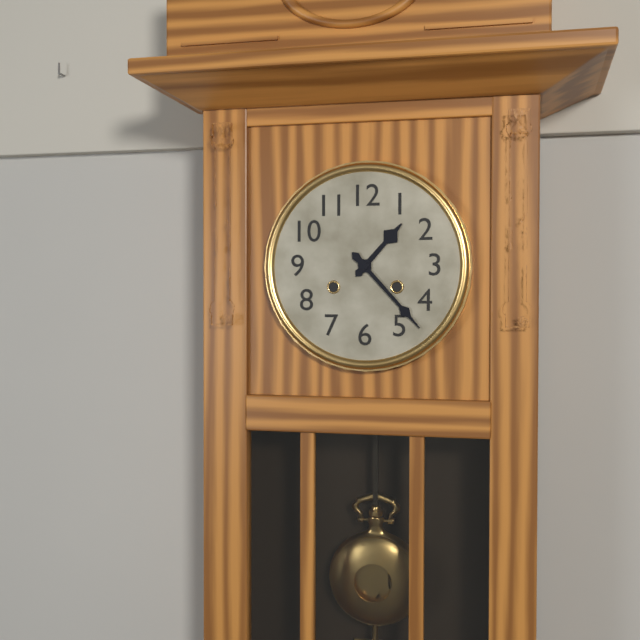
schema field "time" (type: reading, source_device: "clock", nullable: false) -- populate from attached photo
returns 1:23
